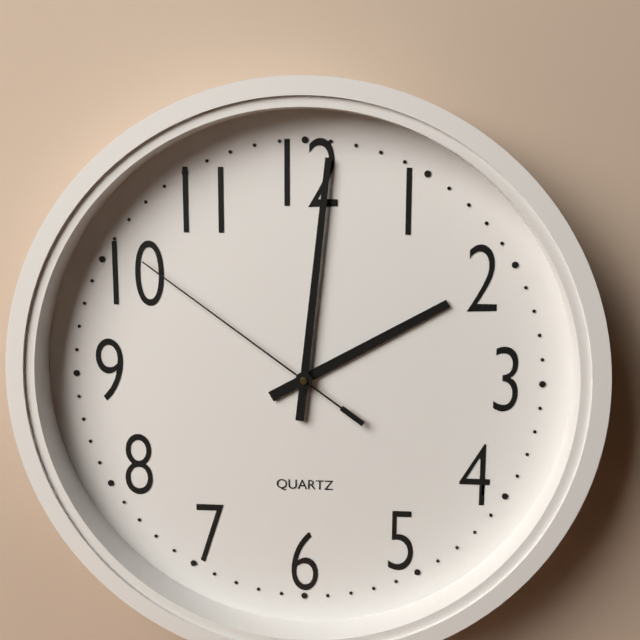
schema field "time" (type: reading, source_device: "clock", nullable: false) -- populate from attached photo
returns 2:01:51
